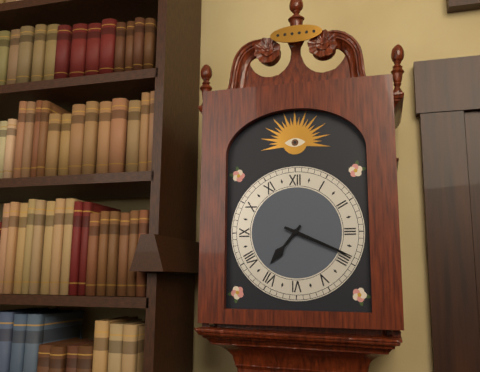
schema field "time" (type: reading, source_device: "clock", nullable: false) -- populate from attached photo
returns 7:19
